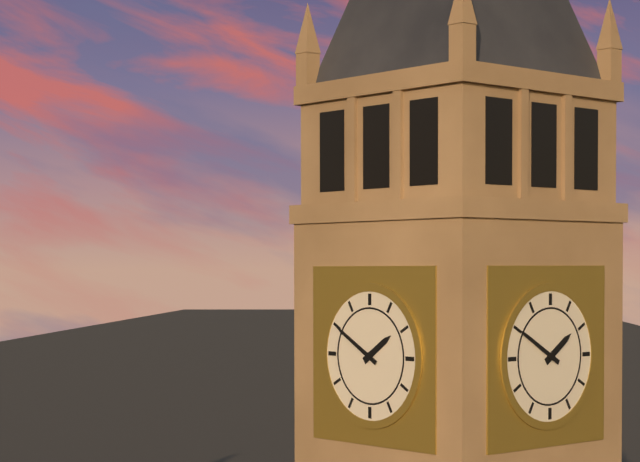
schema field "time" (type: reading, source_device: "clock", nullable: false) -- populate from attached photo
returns 1:50
